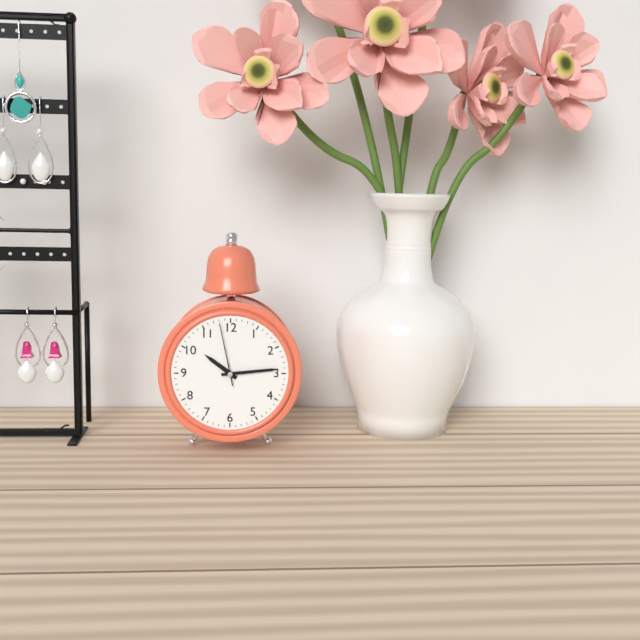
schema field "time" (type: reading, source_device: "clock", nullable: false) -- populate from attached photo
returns 10:14:58
